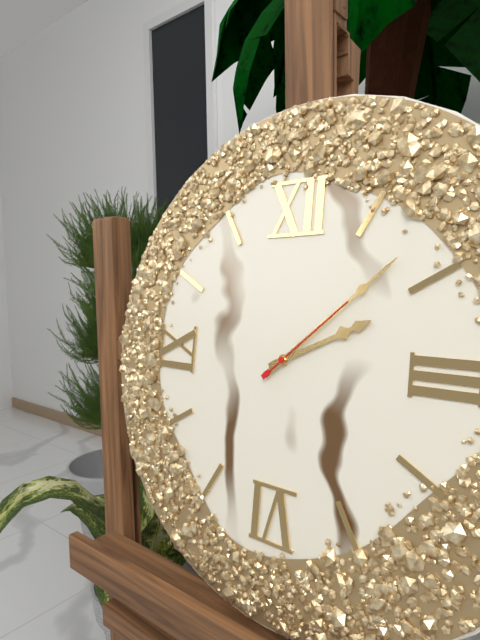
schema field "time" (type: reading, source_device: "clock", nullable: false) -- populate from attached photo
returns 2:08:08
